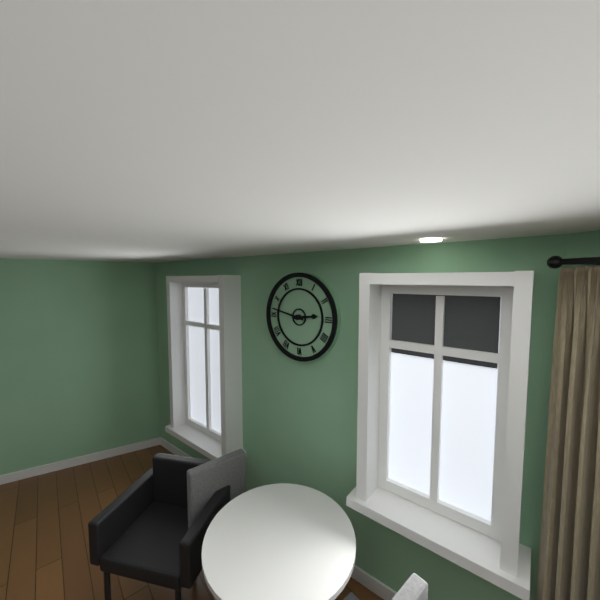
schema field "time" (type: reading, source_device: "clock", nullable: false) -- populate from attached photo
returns 2:47
